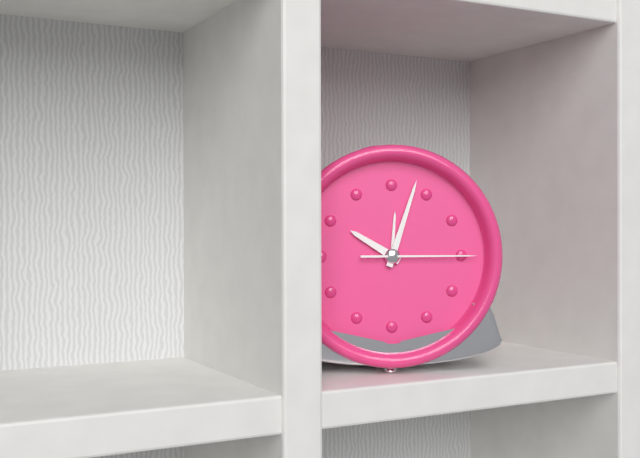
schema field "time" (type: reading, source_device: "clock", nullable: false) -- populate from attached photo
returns 10:03:15
